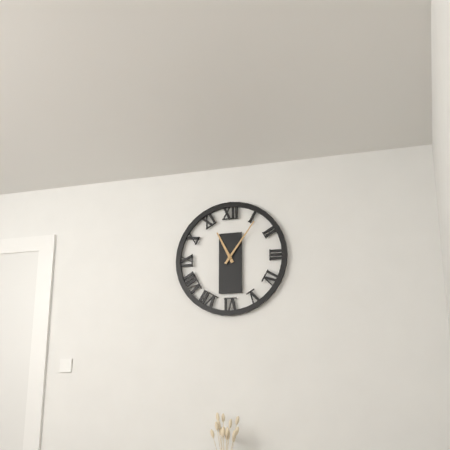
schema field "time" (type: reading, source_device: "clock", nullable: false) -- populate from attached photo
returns 11:06
